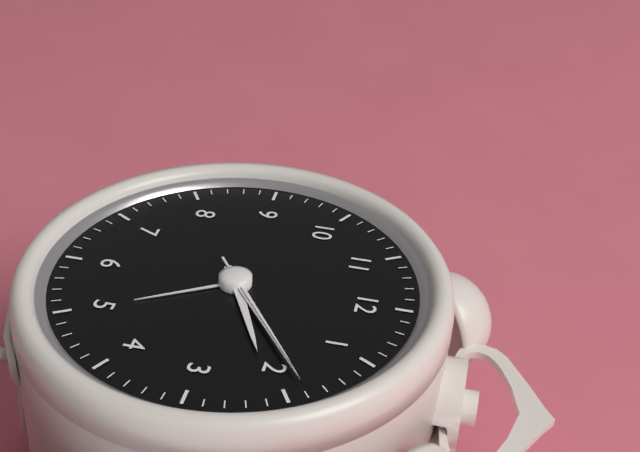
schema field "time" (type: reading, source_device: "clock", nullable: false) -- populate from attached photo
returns 2:09:09
